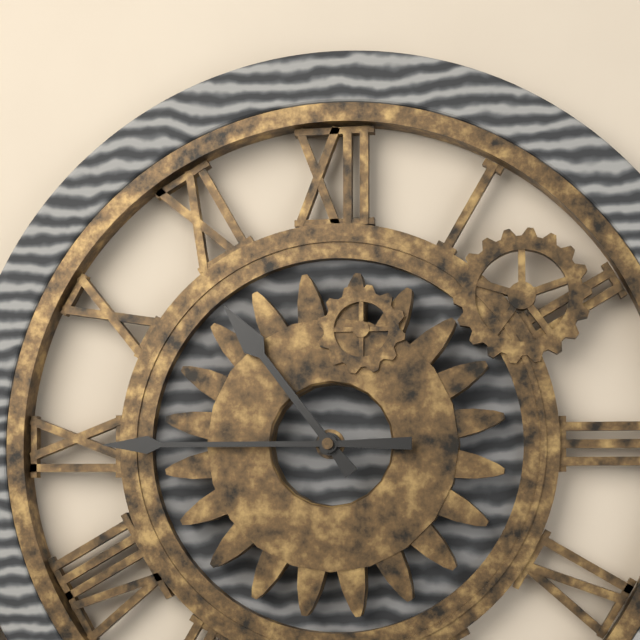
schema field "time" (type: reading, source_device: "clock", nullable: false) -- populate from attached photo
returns 10:45
